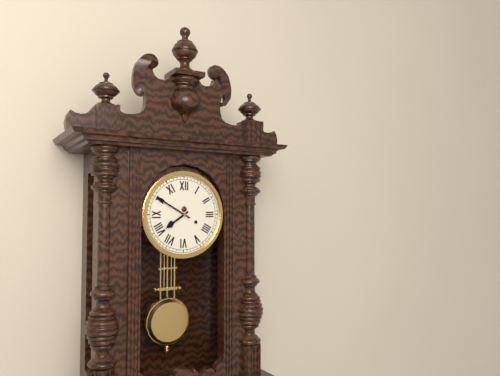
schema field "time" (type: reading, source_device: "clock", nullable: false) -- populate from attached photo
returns 7:50
